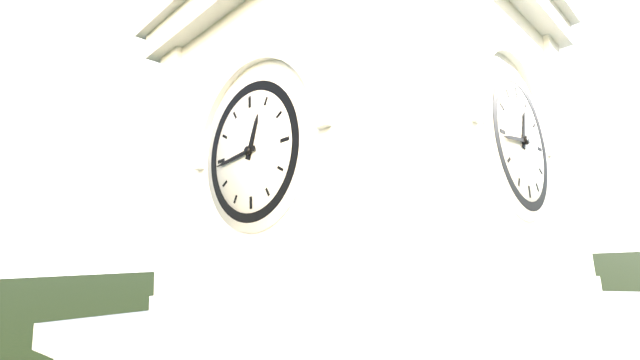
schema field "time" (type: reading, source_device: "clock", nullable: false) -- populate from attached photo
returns 12:44
